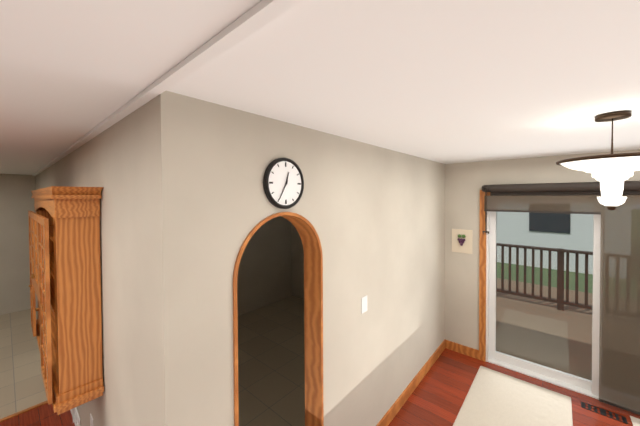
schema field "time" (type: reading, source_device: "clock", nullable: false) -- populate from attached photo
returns 12:35
